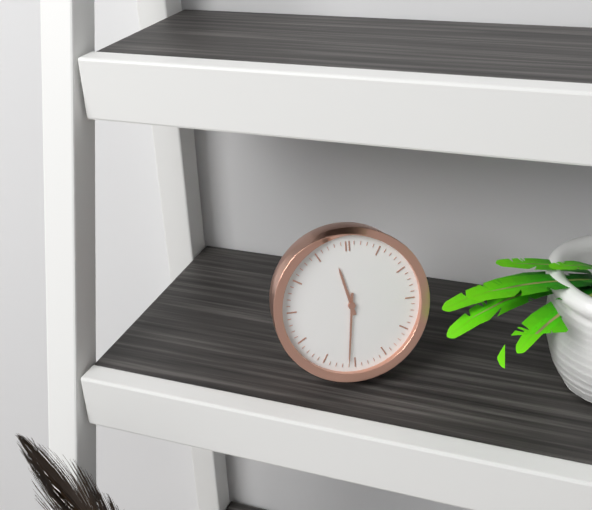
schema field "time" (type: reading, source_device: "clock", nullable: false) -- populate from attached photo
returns 11:31
